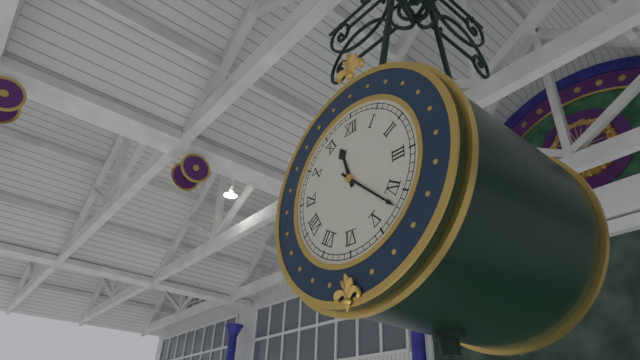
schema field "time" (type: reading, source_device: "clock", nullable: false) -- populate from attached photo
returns 11:22
